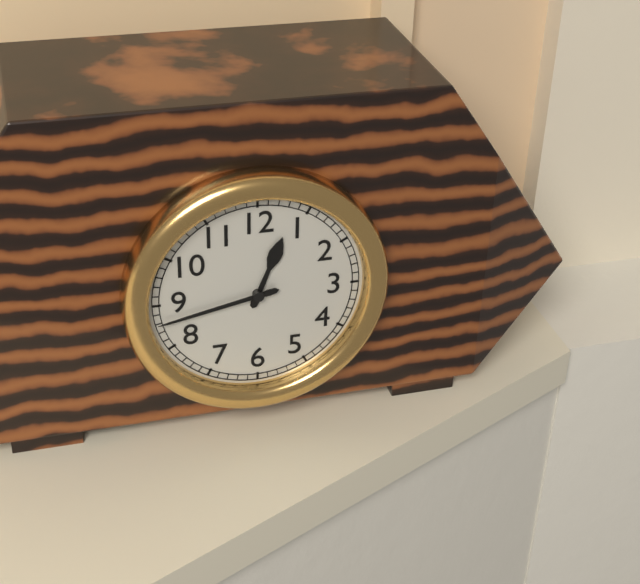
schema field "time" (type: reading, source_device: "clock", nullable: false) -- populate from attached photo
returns 12:43
